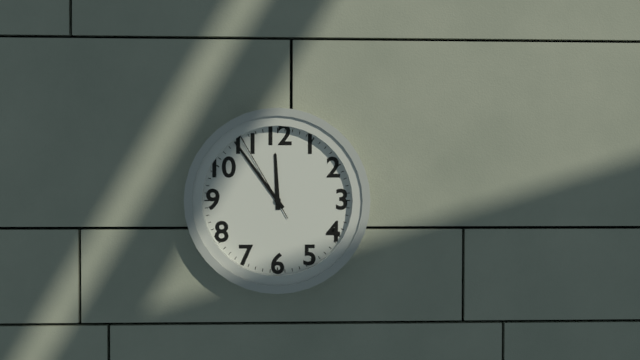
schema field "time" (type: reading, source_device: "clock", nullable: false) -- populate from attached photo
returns 11:54:55
